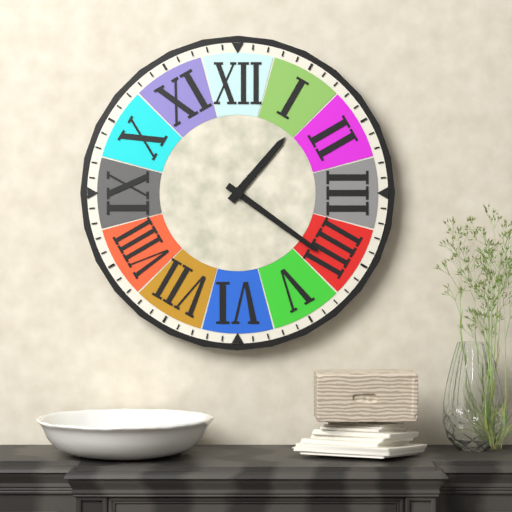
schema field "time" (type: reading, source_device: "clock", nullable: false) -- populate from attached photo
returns 1:21
